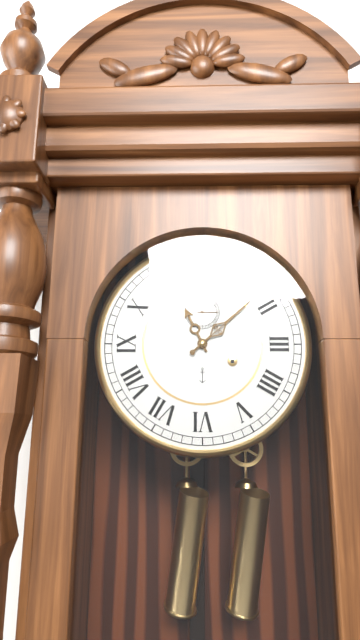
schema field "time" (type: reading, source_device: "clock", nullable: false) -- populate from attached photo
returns 11:08
